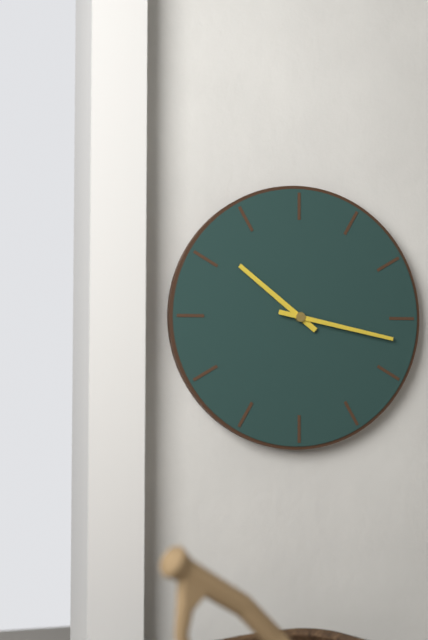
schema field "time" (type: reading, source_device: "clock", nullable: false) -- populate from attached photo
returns 10:17
